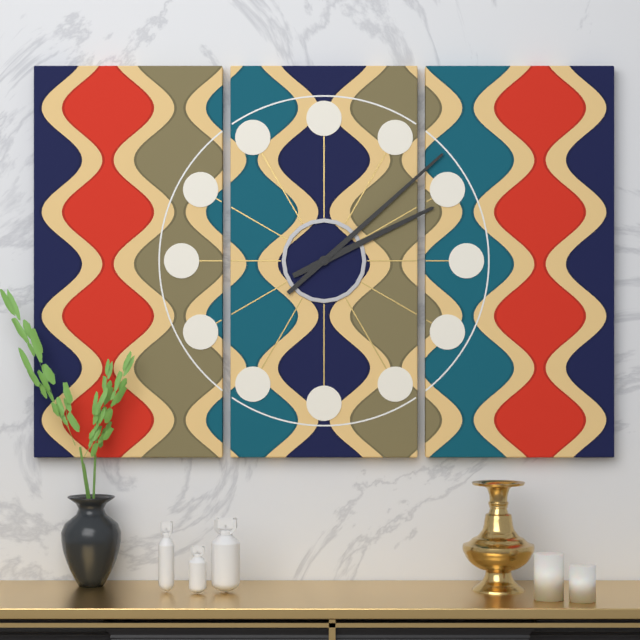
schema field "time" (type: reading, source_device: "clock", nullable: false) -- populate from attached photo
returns 2:08
